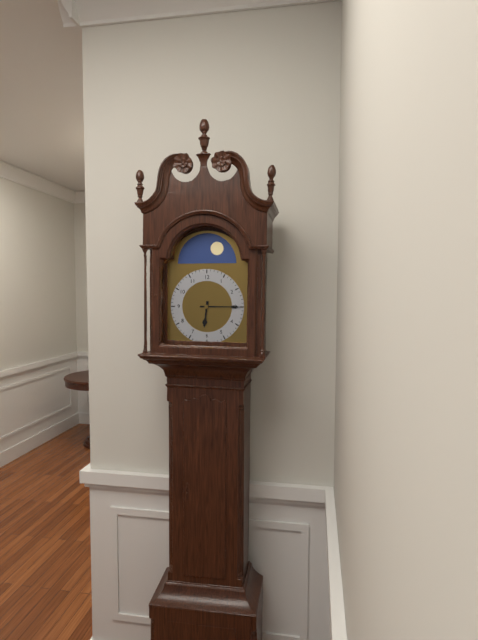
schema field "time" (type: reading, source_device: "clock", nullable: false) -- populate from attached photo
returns 6:15
